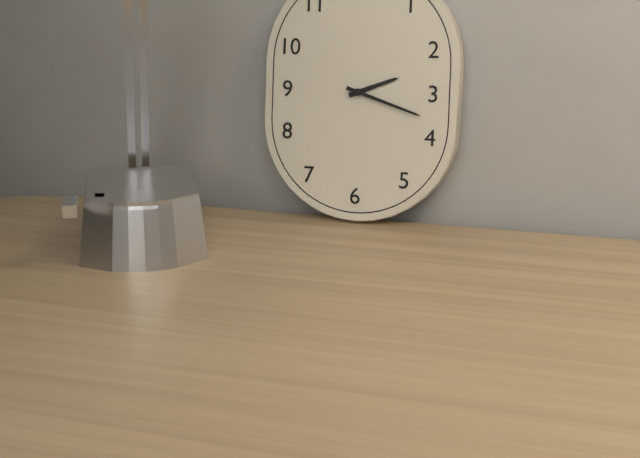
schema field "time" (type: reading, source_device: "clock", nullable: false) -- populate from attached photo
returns 2:18
